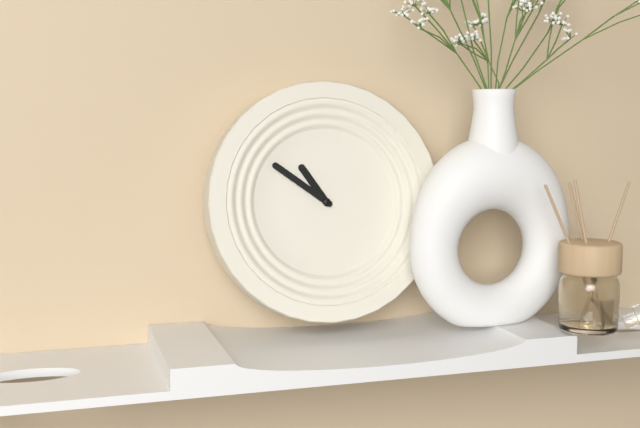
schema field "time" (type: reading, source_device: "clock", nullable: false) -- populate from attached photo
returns 10:51
